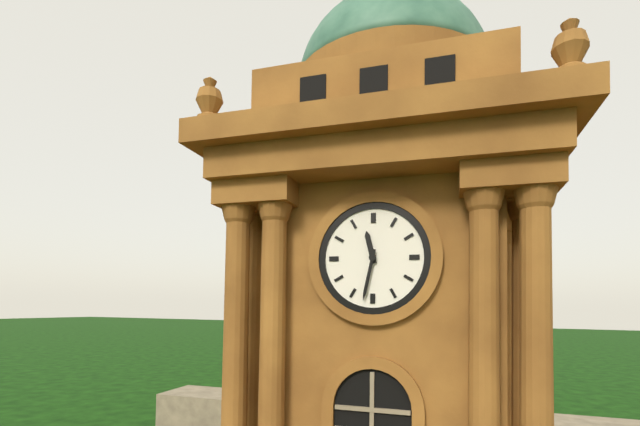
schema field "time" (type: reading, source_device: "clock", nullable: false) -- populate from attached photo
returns 11:32
